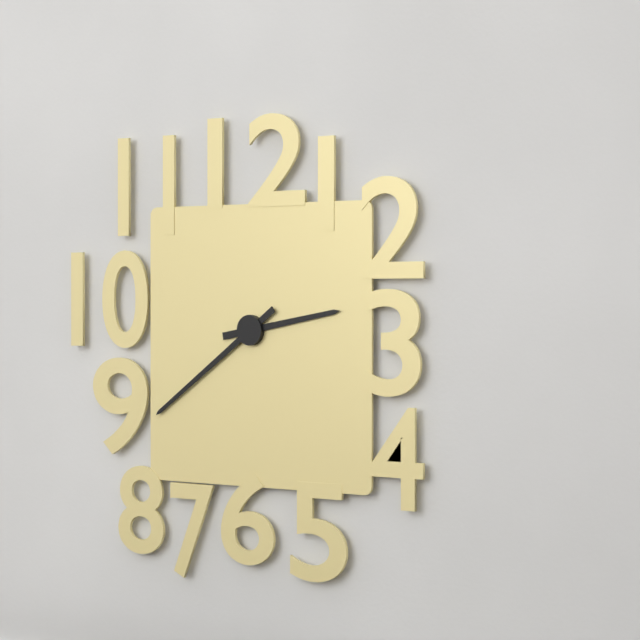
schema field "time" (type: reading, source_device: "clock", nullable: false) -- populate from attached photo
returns 2:39
